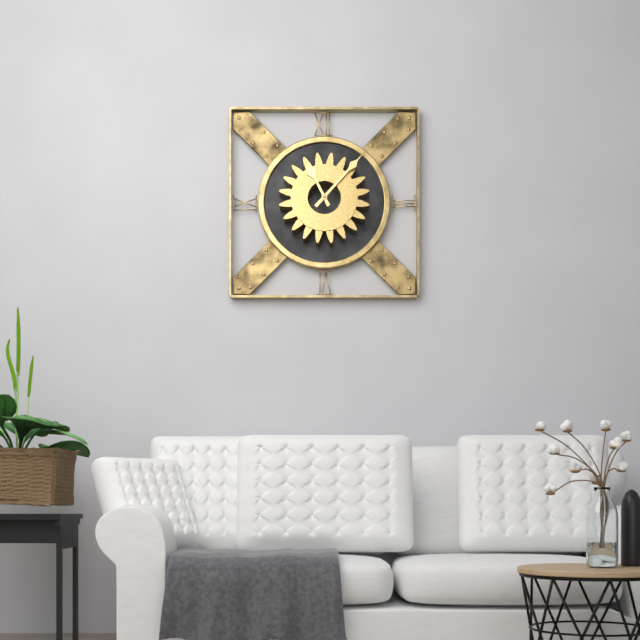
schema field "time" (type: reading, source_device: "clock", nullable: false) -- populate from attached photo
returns 11:07
